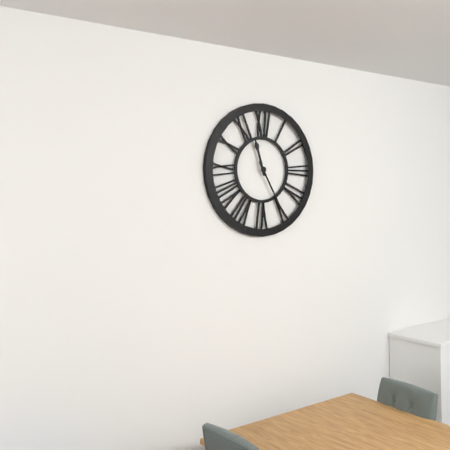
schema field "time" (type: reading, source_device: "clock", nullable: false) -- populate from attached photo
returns 11:25
